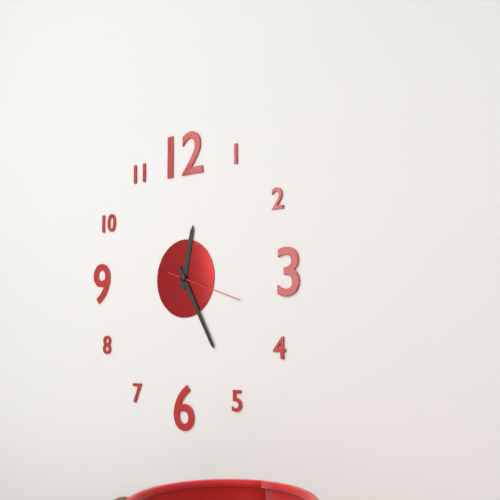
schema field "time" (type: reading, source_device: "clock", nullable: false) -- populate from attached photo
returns 12:25:18
